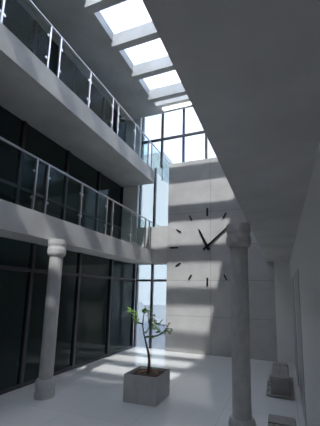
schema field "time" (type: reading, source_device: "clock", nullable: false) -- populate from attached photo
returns 11:08
